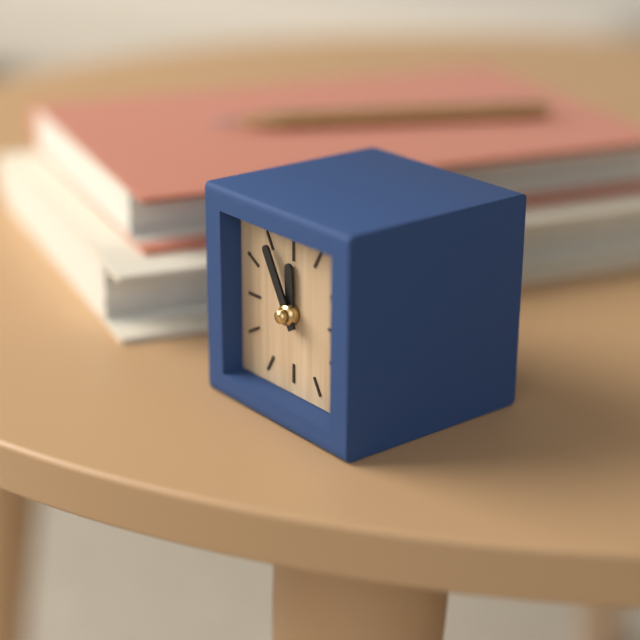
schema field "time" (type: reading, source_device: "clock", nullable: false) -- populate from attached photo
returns 11:55
